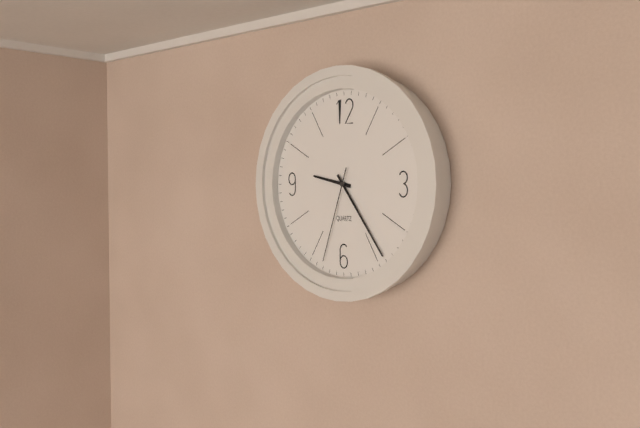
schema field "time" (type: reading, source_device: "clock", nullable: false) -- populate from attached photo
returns 9:24:33
